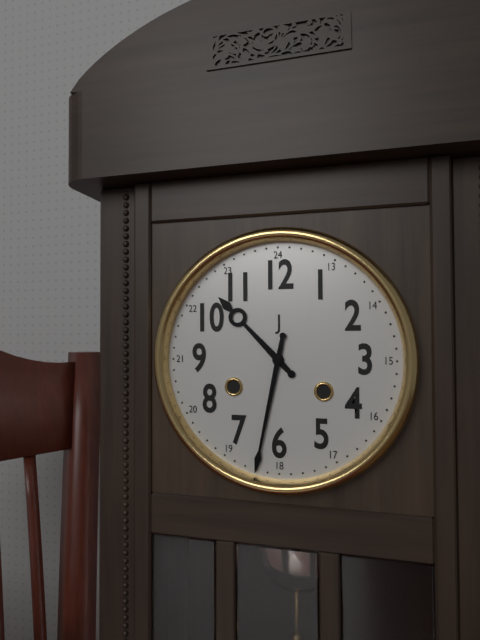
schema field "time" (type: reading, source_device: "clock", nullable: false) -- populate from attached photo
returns 10:32
